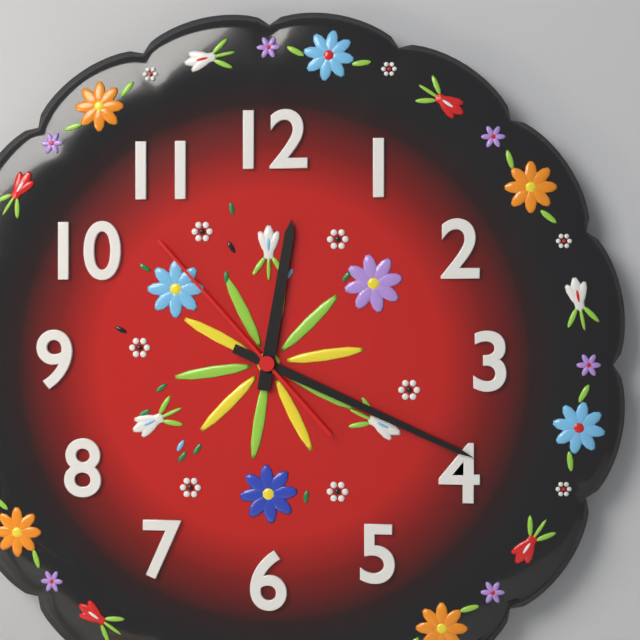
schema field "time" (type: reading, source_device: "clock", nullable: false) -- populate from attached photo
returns 12:19:53
